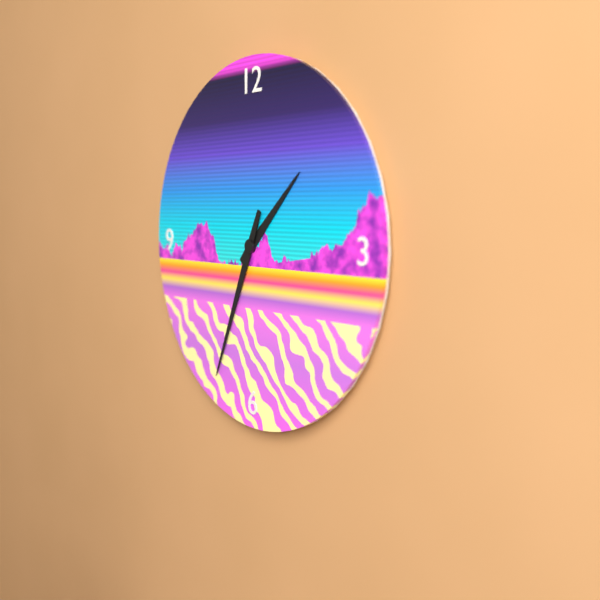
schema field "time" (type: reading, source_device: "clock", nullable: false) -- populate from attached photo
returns 1:34
